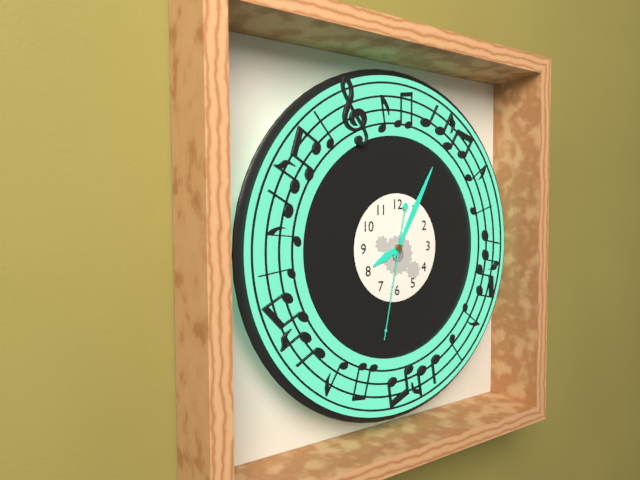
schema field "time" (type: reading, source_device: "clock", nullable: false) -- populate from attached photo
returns 8:05:32
